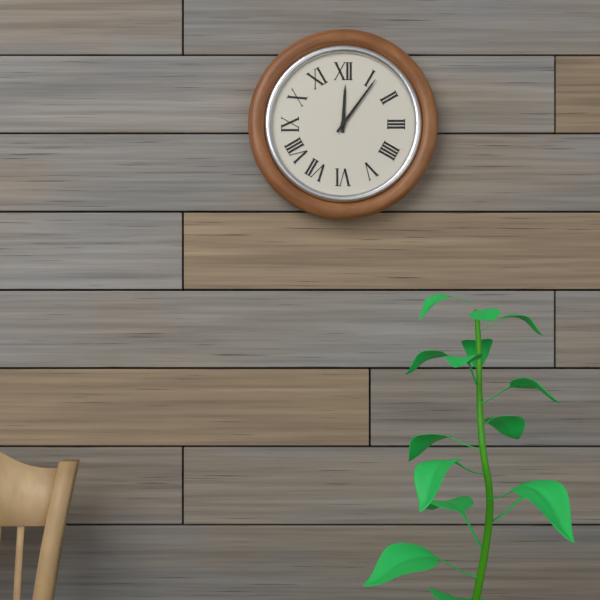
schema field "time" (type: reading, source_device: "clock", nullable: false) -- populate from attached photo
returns 12:06
